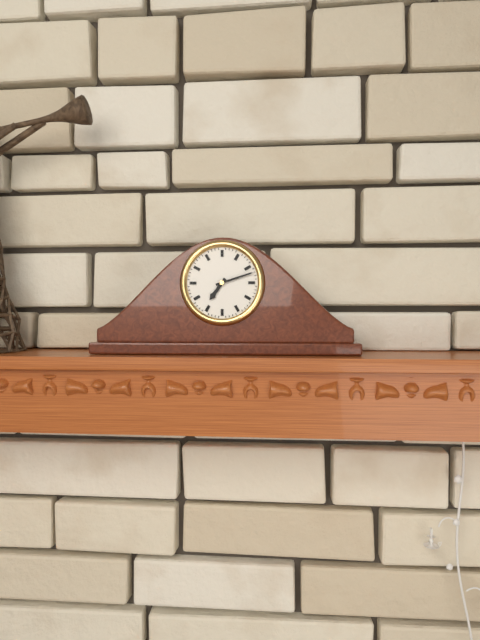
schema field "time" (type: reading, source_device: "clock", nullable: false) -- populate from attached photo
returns 7:12
